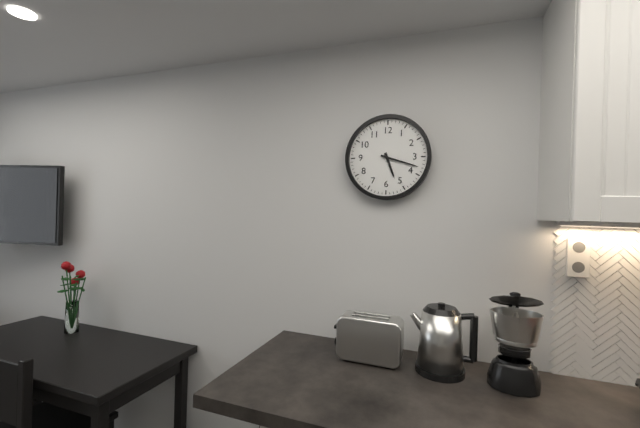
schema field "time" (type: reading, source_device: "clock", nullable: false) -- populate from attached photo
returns 5:18
